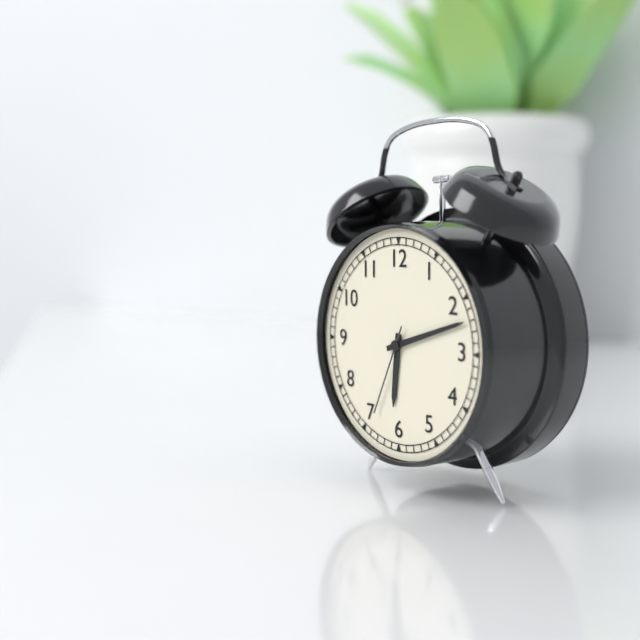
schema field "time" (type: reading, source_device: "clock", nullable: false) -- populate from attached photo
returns 6:12:34
